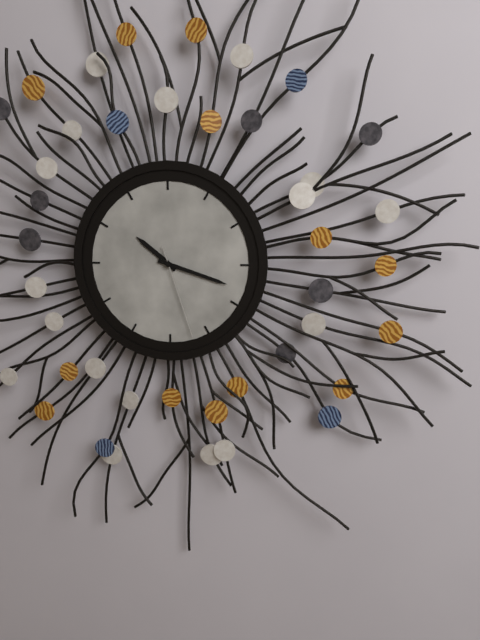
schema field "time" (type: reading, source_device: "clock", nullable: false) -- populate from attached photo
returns 10:18:27
